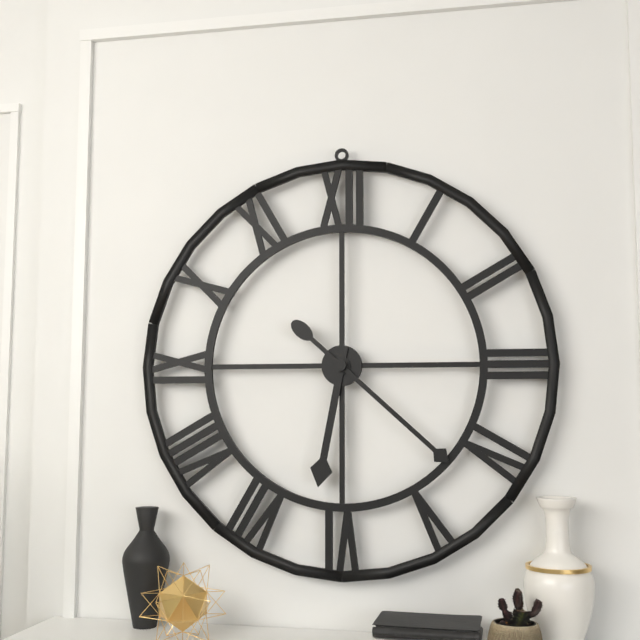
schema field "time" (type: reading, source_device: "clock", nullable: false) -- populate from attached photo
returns 6:22
